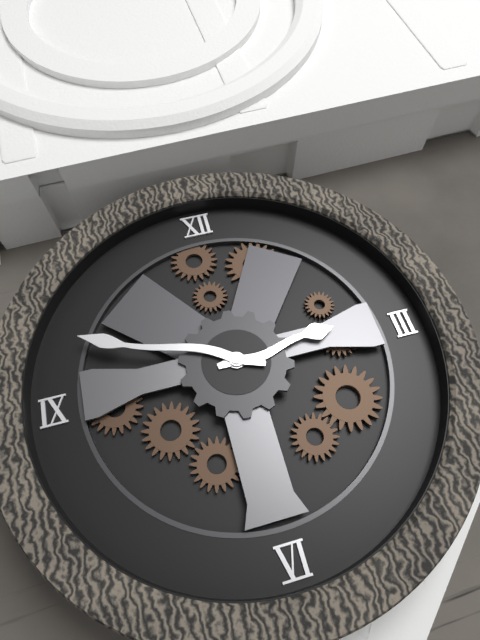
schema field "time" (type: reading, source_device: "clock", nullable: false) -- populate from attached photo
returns 2:49
